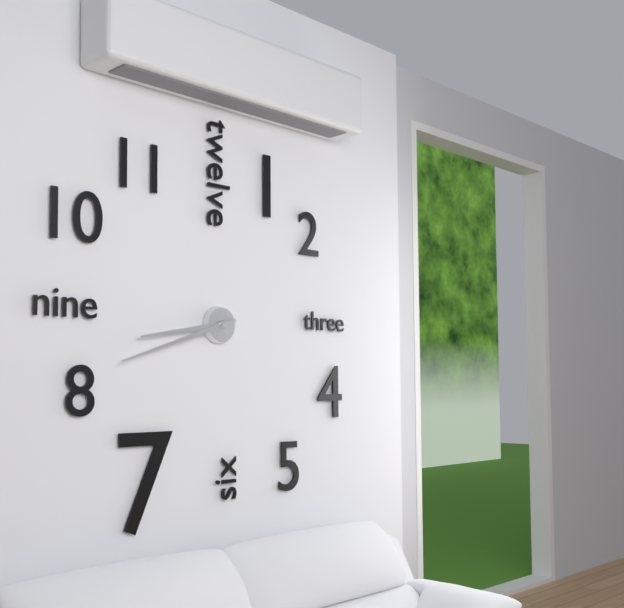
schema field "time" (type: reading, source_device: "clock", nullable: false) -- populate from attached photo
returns 8:42
